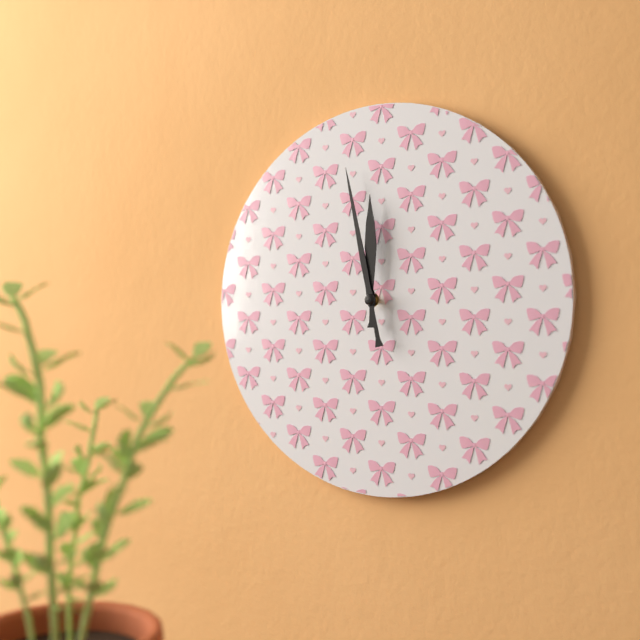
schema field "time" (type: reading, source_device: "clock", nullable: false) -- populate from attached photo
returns 11:58
